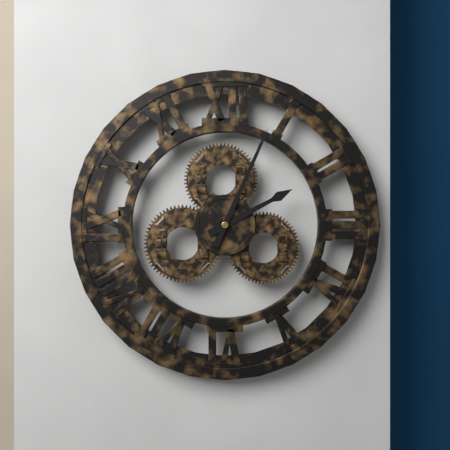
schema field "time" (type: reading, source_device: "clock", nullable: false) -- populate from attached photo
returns 2:04
